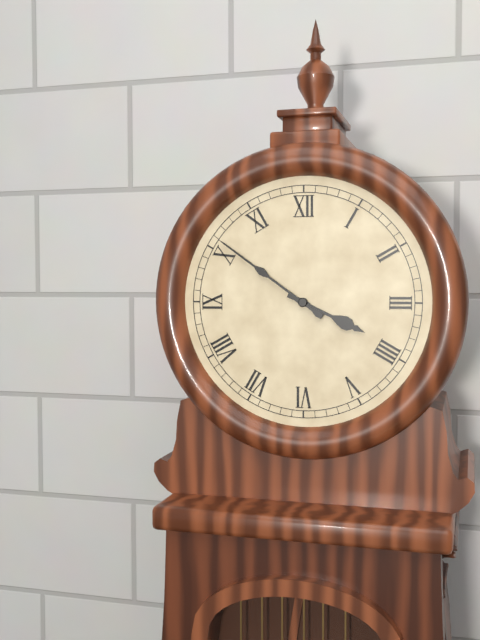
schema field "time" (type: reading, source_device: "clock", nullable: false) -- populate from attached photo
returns 3:51
